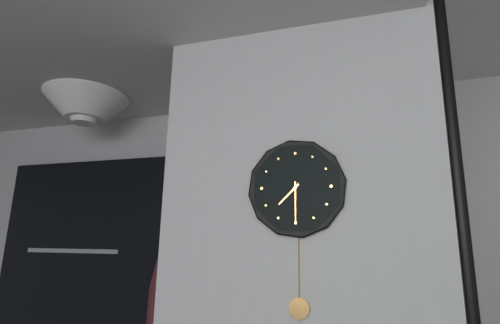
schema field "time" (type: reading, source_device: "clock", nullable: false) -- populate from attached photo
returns 7:30
